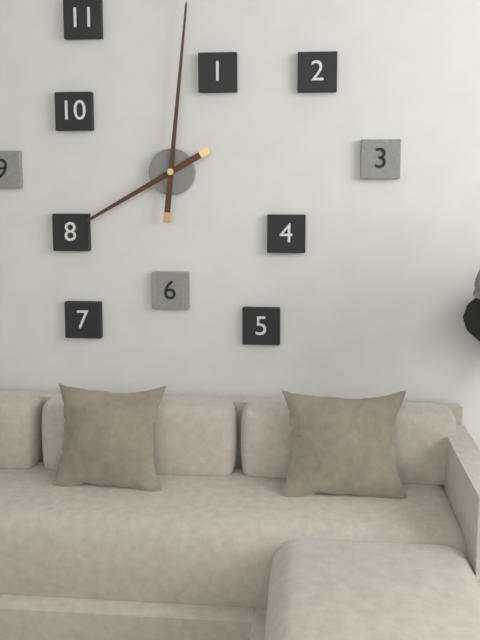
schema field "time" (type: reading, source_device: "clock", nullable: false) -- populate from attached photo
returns 8:01
